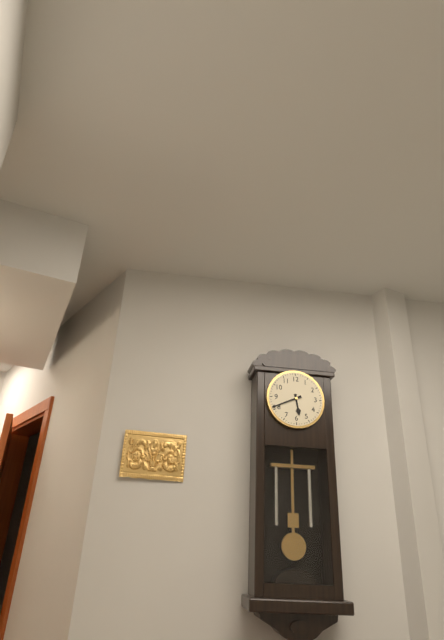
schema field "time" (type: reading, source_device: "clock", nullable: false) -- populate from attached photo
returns 5:41
